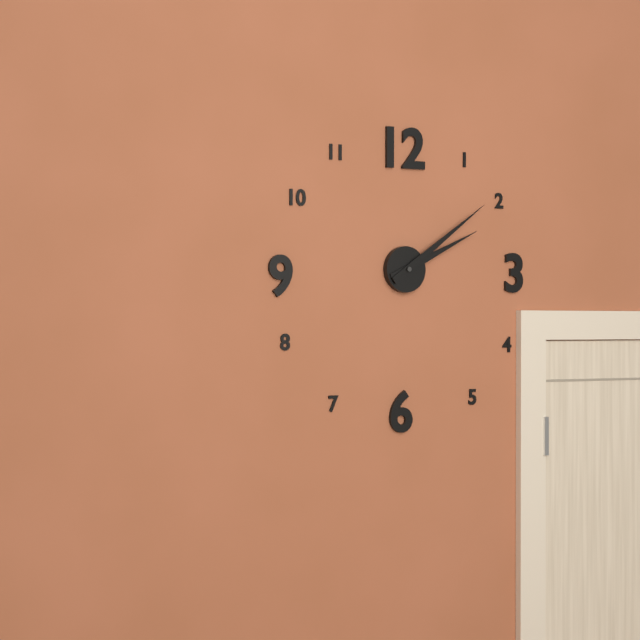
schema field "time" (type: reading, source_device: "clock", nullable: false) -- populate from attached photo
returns 2:09
